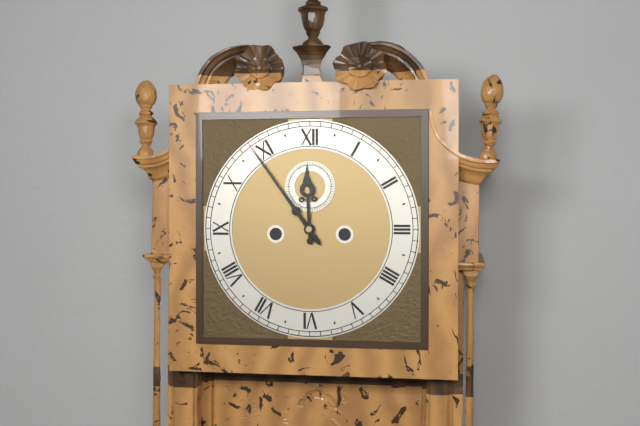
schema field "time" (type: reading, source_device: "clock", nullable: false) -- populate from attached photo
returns 11:54
